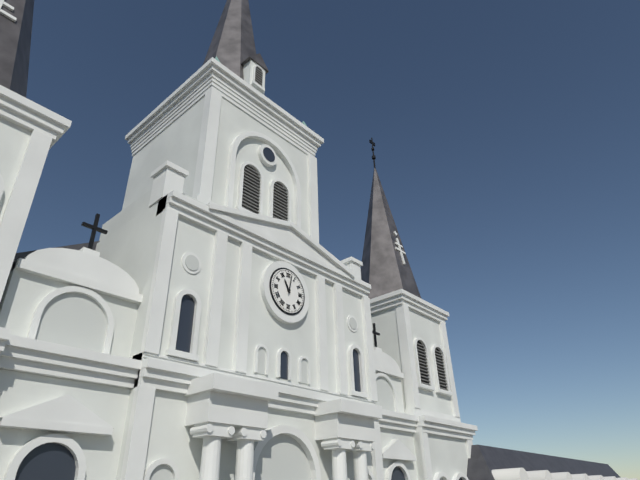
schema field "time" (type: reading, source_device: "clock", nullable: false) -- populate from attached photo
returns 11:02
